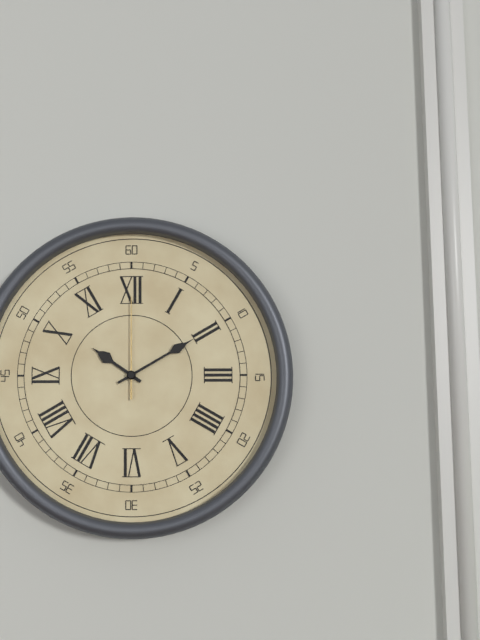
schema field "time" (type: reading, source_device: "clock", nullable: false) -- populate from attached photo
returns 10:10:00
